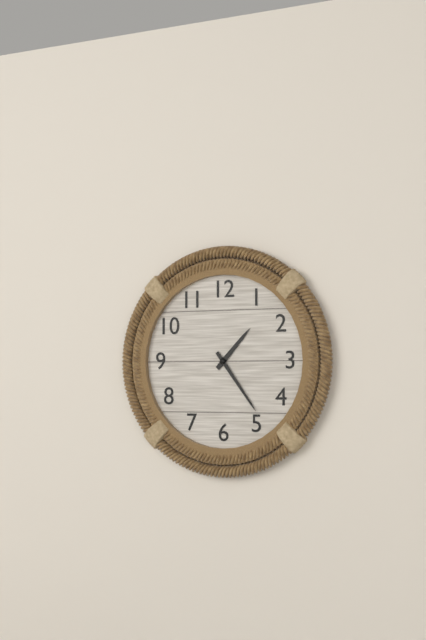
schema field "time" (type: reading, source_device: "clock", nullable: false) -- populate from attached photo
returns 1:24
